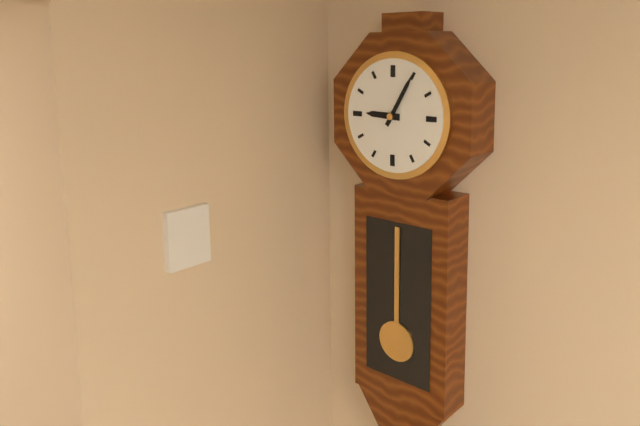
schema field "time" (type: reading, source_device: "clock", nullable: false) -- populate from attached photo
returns 9:05
